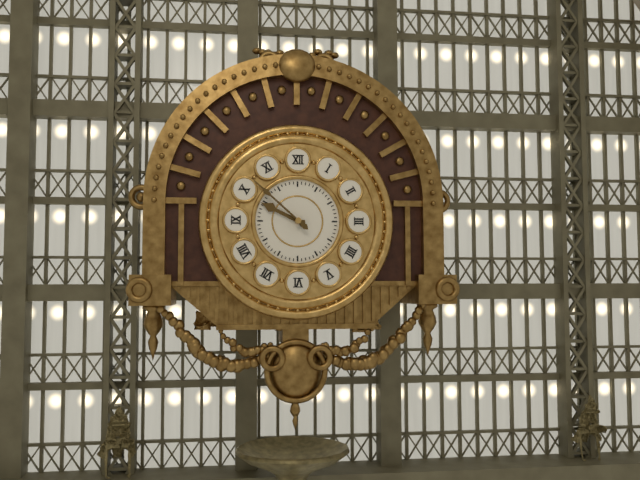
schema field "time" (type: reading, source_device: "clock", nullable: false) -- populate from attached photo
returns 9:52
